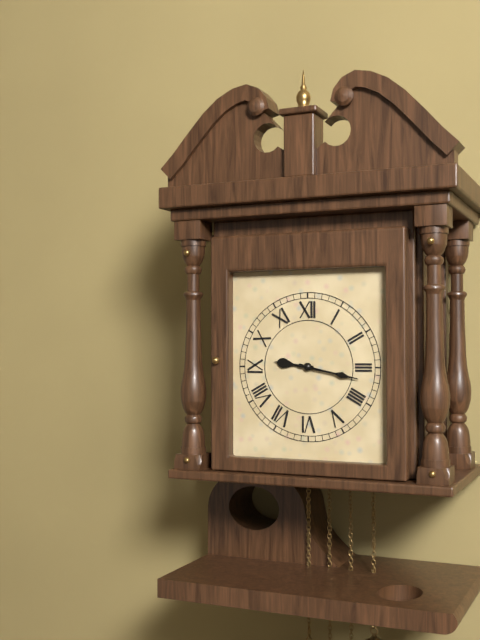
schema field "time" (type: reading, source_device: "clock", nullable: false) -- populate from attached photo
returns 9:17
